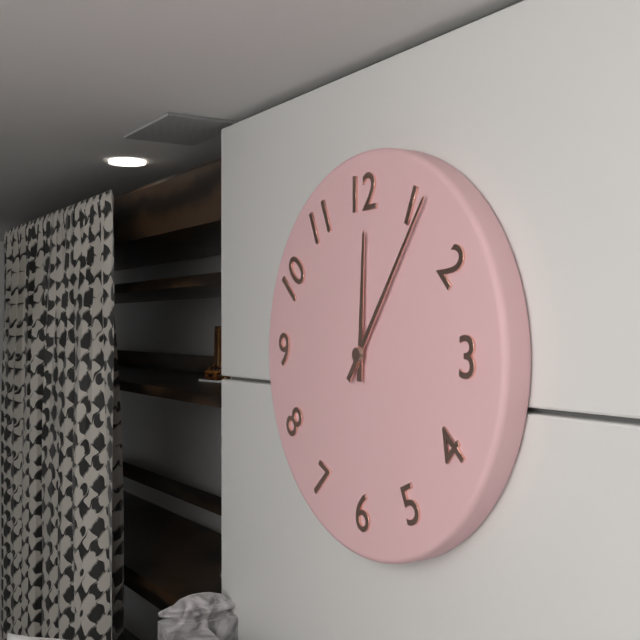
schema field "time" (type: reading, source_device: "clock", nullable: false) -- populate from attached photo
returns 12:06
